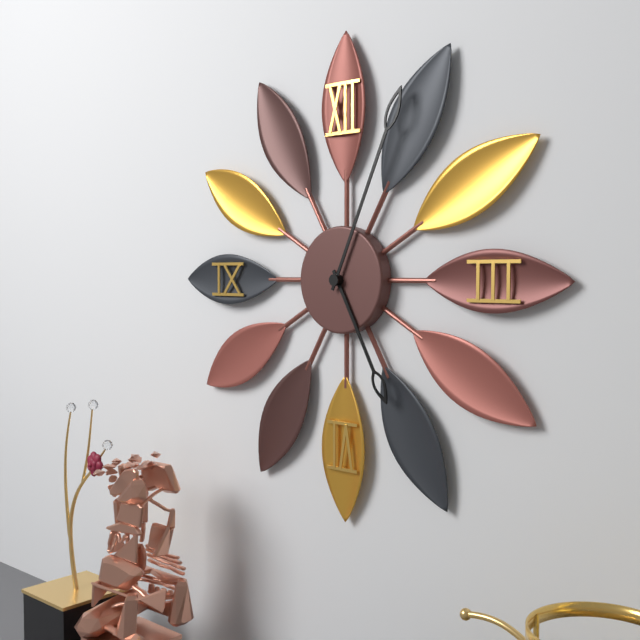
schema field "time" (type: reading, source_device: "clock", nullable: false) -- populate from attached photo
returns 5:04
